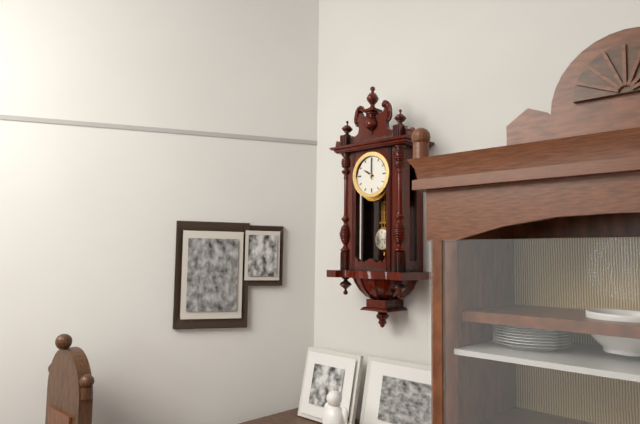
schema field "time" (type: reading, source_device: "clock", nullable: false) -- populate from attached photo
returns 10:00
